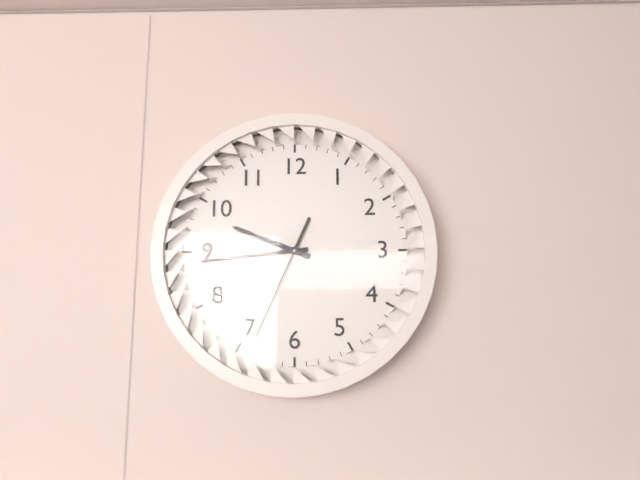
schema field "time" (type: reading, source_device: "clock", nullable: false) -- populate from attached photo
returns 9:44:34
